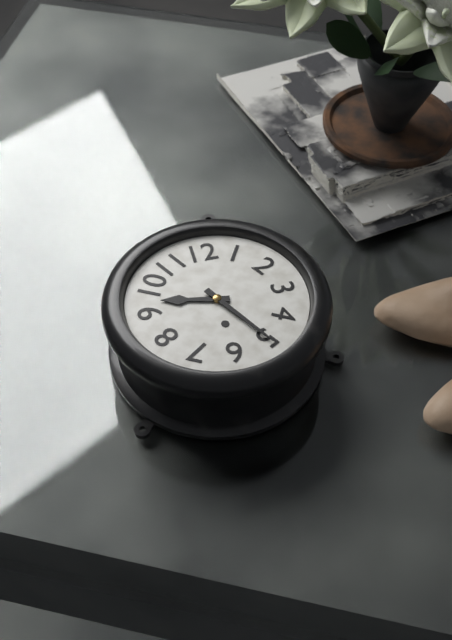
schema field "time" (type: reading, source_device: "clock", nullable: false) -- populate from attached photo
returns 9:25
